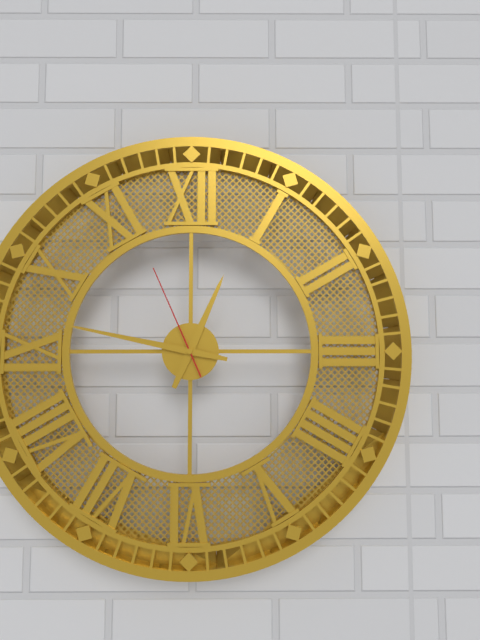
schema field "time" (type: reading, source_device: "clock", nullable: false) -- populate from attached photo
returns 12:47:56
